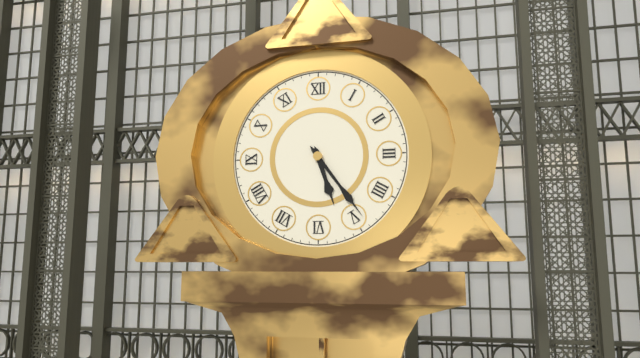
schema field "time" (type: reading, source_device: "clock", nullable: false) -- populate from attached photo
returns 5:24
